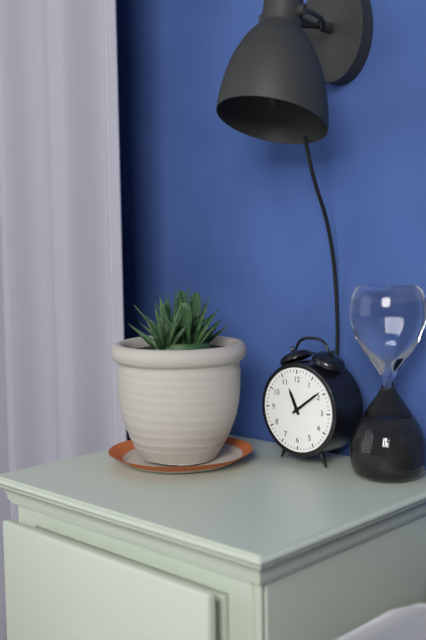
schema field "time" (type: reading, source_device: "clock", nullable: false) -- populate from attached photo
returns 11:09
